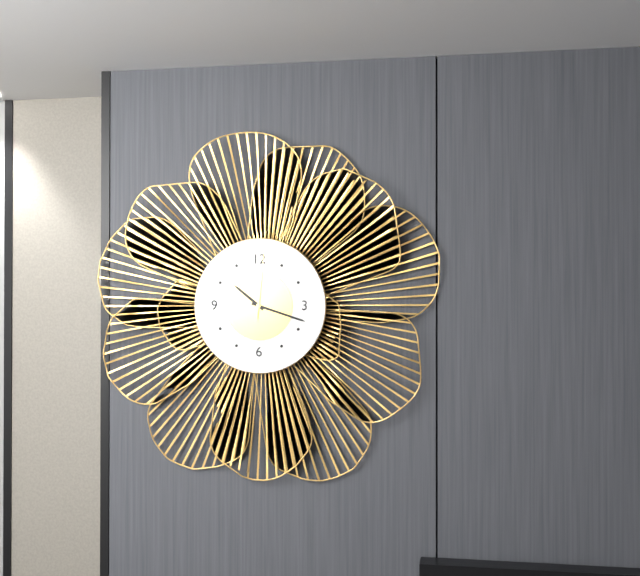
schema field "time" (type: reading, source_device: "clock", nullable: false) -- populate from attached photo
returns 10:18:01
